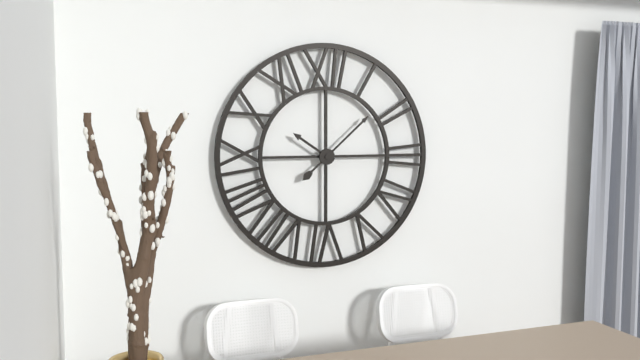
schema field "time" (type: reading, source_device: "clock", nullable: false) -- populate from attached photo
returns 10:08
